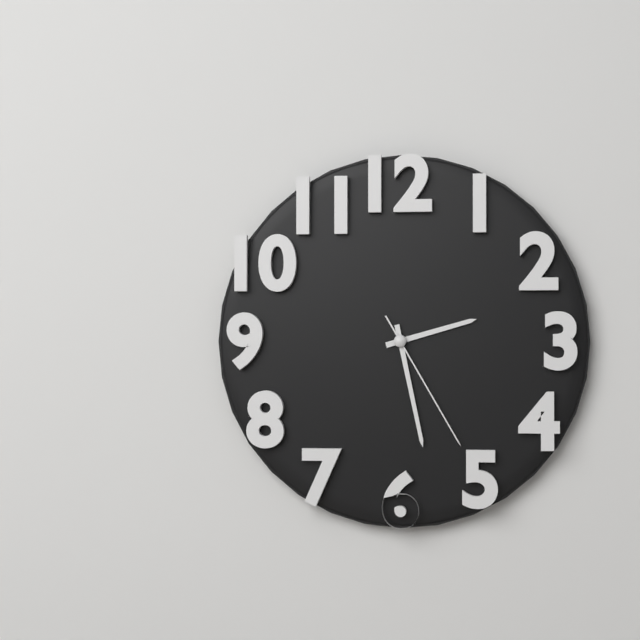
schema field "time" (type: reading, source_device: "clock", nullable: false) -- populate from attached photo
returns 2:28:25
